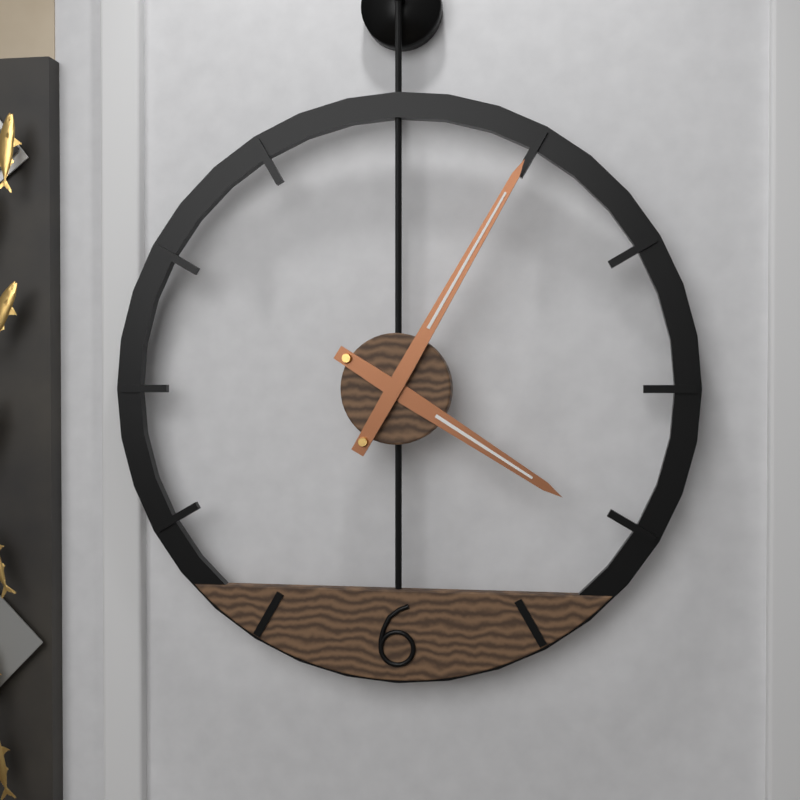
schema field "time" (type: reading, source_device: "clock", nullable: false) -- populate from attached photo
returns 4:05
